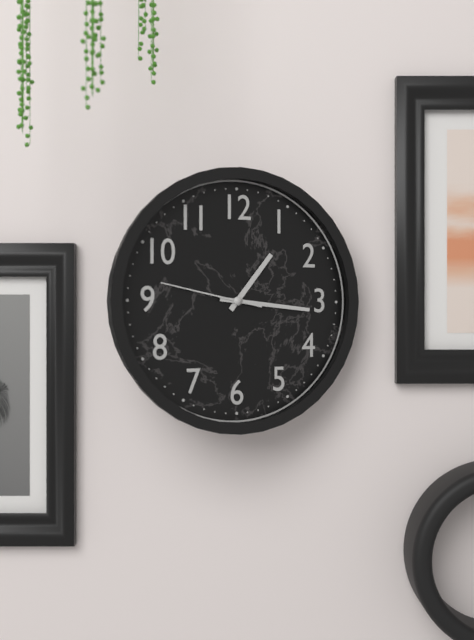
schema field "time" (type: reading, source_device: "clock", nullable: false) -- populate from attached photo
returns 1:16:47
